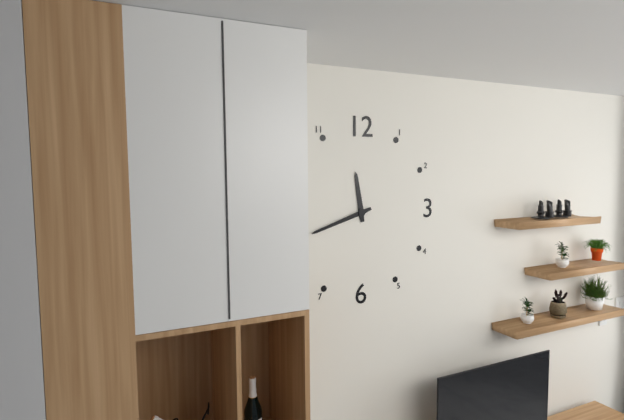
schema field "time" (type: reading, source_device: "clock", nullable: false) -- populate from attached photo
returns 11:42
